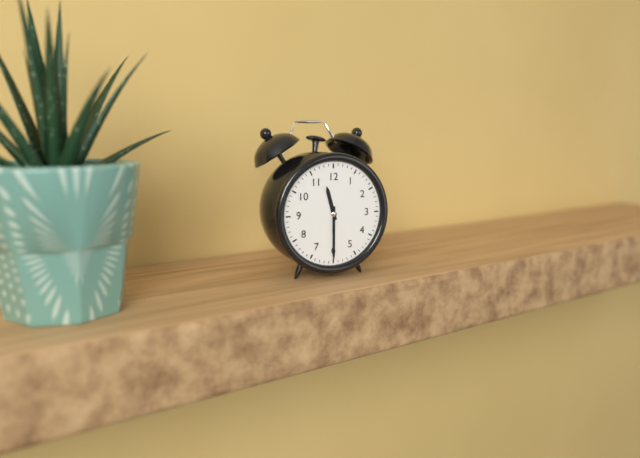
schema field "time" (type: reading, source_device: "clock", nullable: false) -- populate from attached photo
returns 11:30
